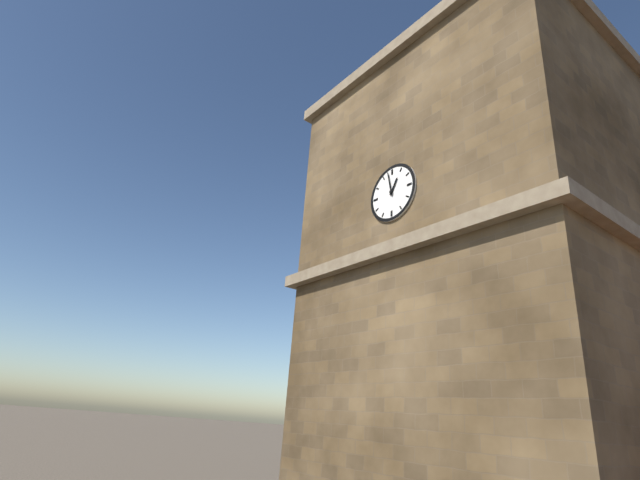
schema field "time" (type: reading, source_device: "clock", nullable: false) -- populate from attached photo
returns 12:58
